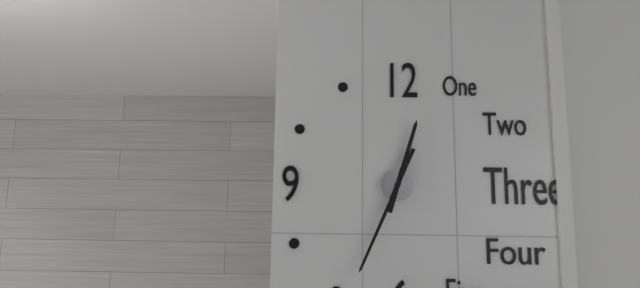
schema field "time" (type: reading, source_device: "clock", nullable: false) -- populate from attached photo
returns 12:34
